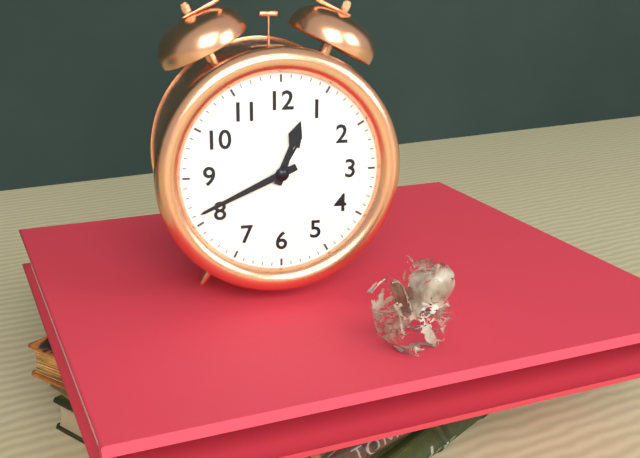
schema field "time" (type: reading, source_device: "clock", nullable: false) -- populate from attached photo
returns 12:41
